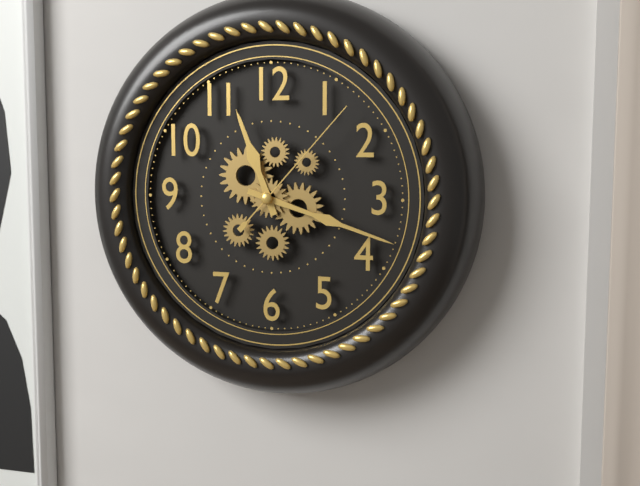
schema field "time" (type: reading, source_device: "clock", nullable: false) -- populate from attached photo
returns 11:18:07
